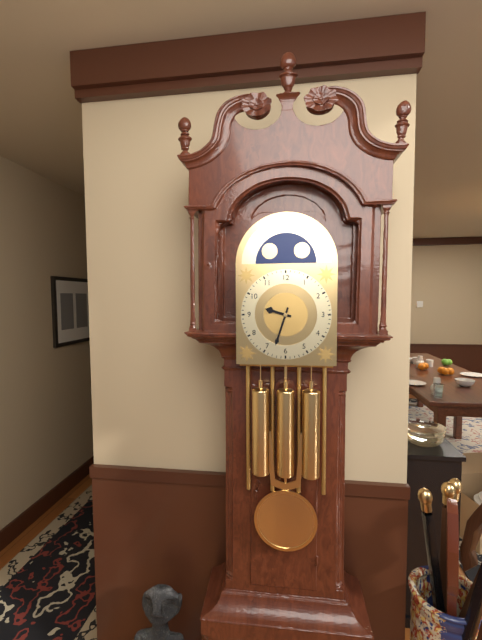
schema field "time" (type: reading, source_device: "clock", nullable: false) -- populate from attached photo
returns 9:33
